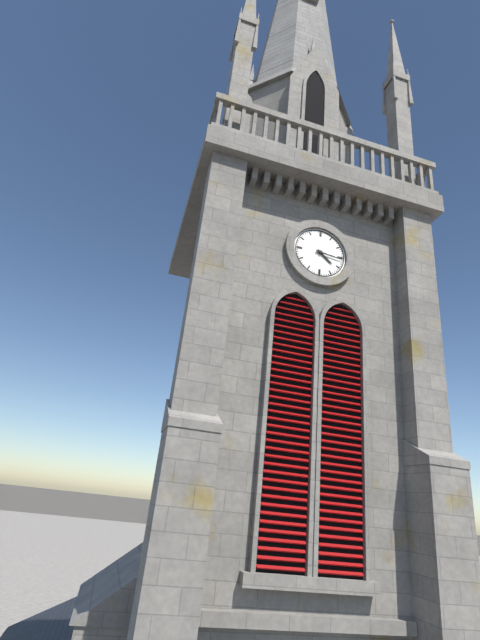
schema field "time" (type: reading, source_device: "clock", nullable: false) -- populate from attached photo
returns 4:16
